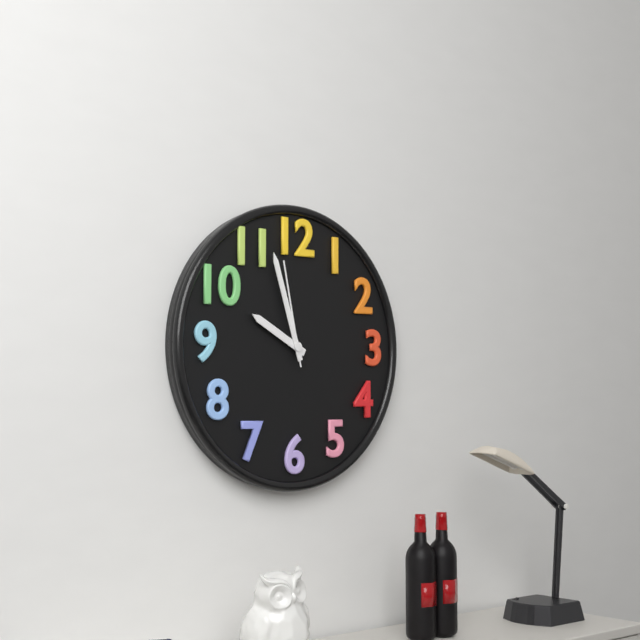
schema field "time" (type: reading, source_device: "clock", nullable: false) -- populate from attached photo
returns 9:57:58
